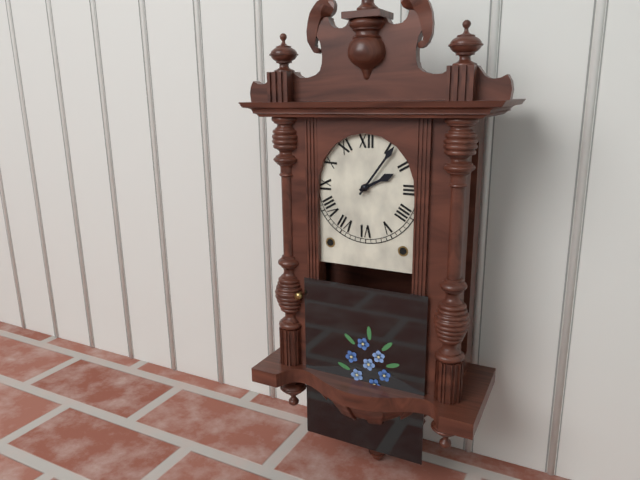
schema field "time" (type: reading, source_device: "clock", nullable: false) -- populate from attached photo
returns 2:06
